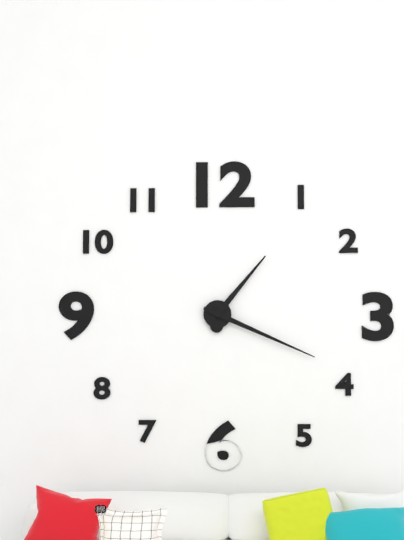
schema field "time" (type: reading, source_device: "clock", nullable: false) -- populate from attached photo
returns 1:19
